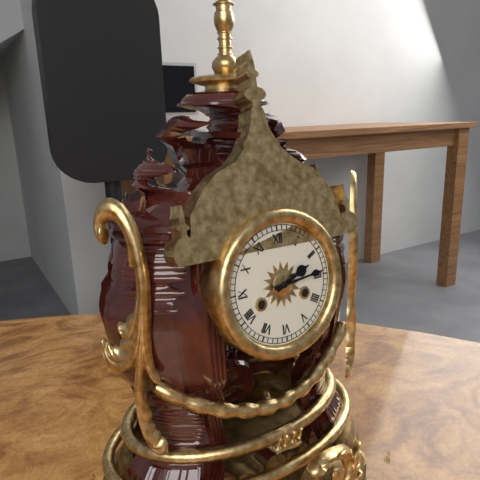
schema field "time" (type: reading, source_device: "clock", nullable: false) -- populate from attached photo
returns 2:14
